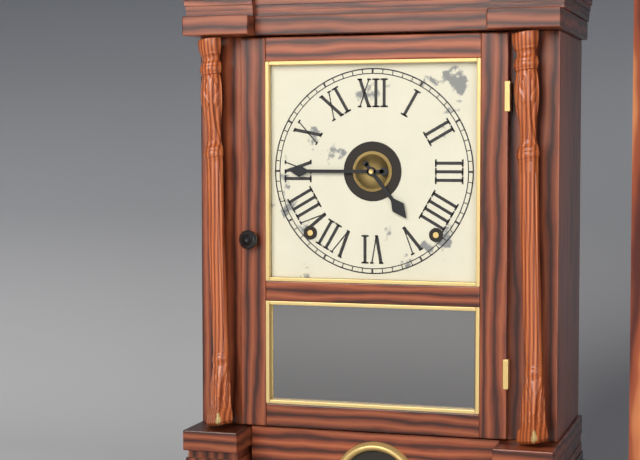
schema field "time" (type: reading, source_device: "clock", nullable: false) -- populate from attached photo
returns 4:45
